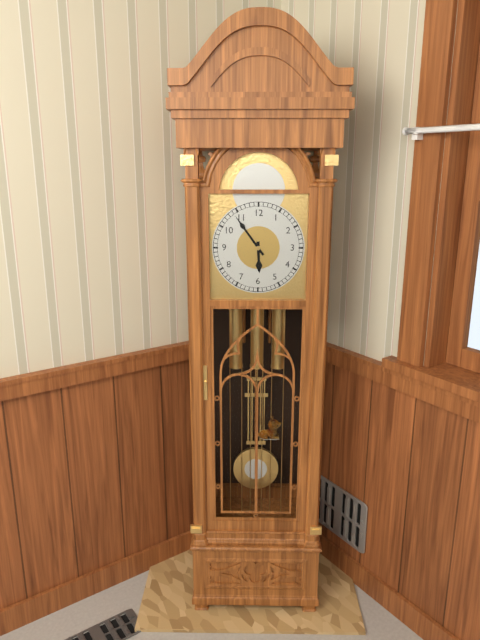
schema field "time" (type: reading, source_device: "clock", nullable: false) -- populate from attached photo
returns 5:54
